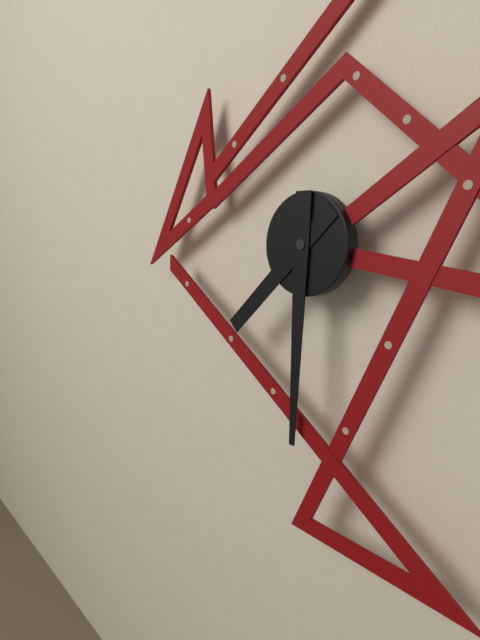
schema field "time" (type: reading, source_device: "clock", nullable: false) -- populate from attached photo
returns 7:30
